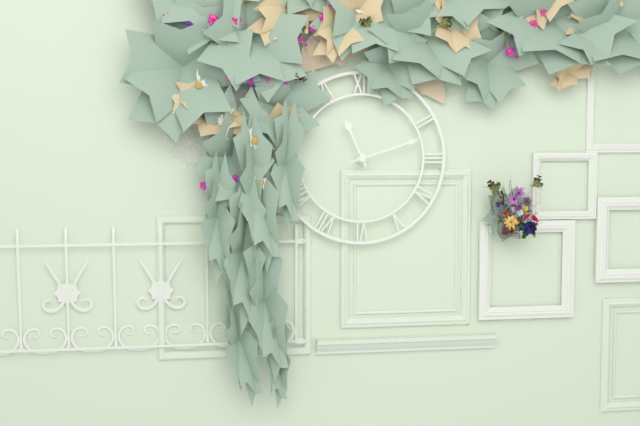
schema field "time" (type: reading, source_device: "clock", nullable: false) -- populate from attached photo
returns 11:12
